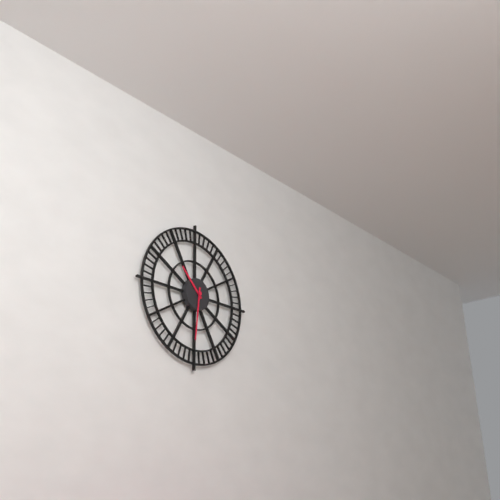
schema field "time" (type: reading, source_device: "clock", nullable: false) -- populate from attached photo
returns 10:31
